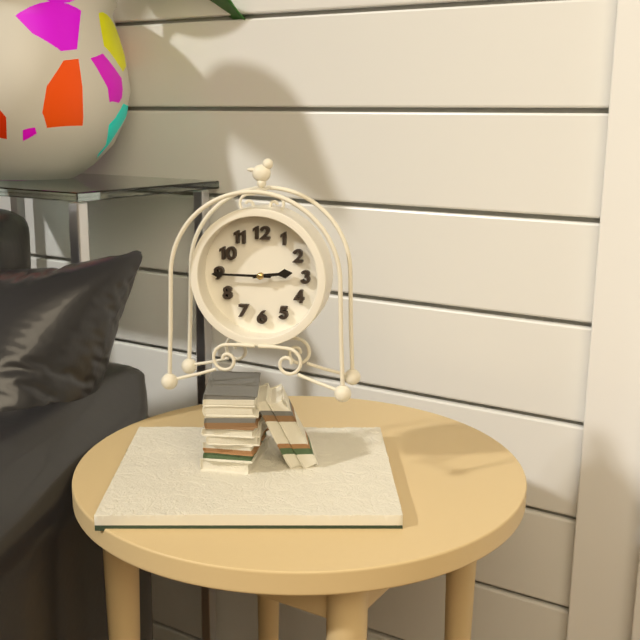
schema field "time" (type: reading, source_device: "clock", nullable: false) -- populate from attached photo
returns 2:45
